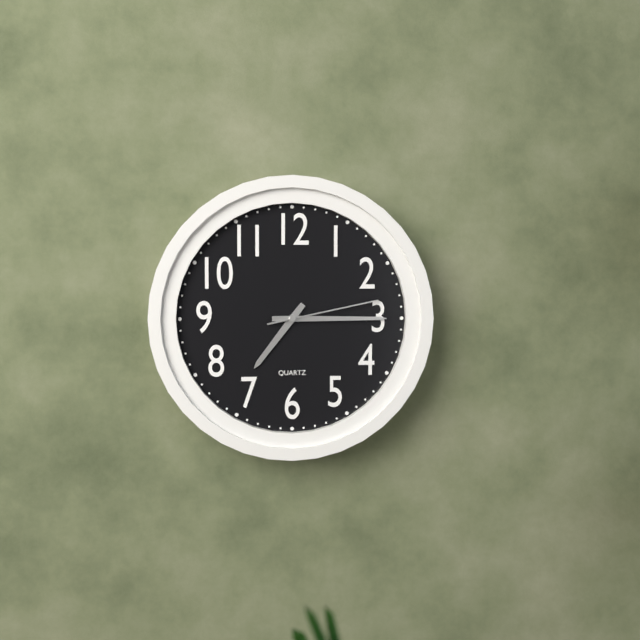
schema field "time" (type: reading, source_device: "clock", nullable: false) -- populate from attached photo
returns 7:15:13
